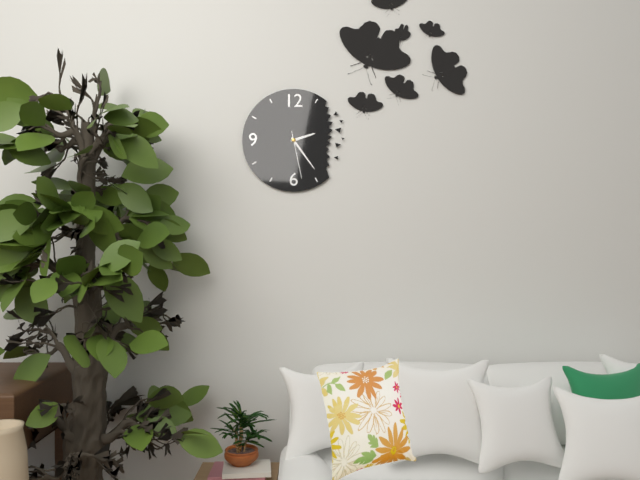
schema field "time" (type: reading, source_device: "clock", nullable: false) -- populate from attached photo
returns 2:24:28
